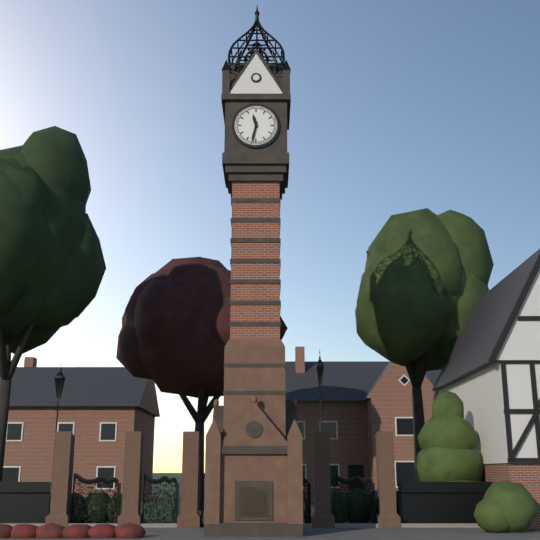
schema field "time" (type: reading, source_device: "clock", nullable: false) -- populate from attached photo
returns 11:32
